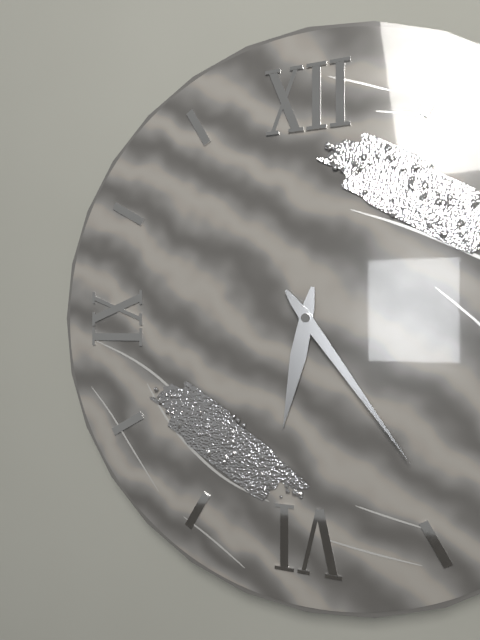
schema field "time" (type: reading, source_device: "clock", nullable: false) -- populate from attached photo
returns 6:24
